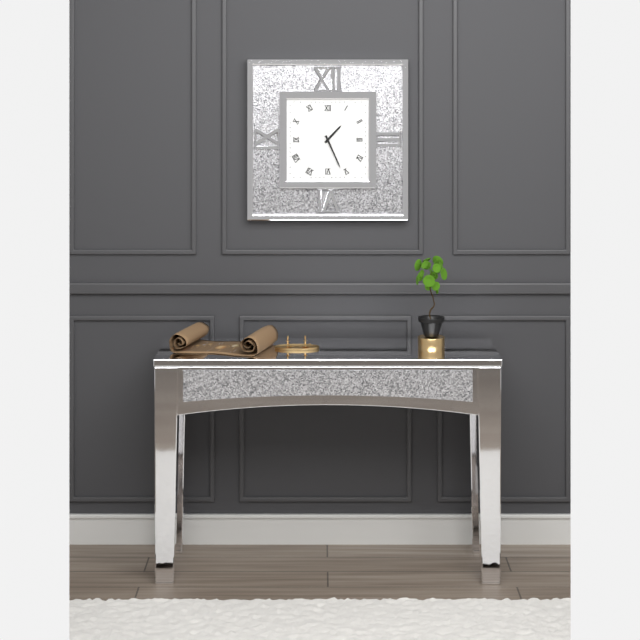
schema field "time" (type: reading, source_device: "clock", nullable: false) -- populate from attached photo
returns 1:26
